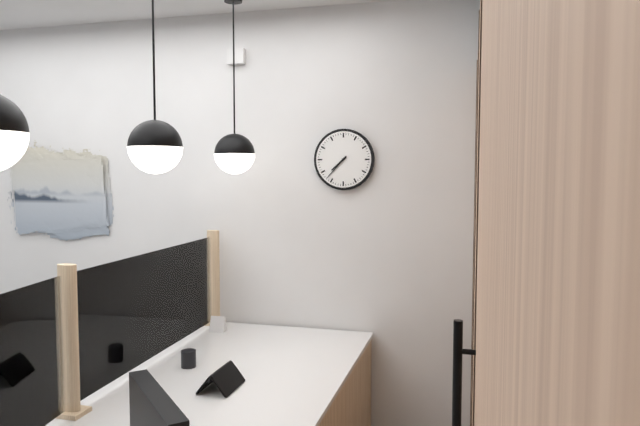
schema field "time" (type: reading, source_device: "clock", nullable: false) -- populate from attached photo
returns 7:37
